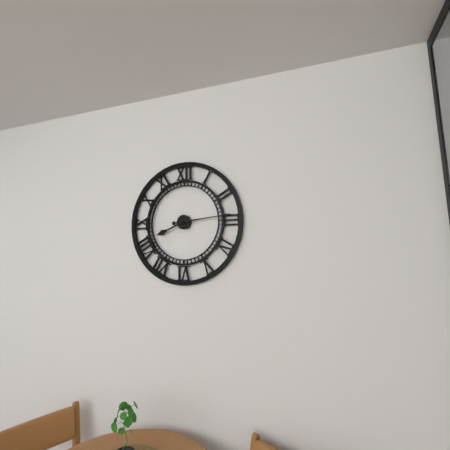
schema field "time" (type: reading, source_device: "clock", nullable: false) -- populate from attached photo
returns 8:14
